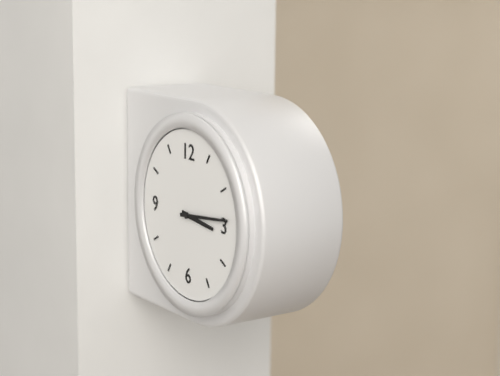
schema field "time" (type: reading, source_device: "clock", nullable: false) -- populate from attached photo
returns 3:14
